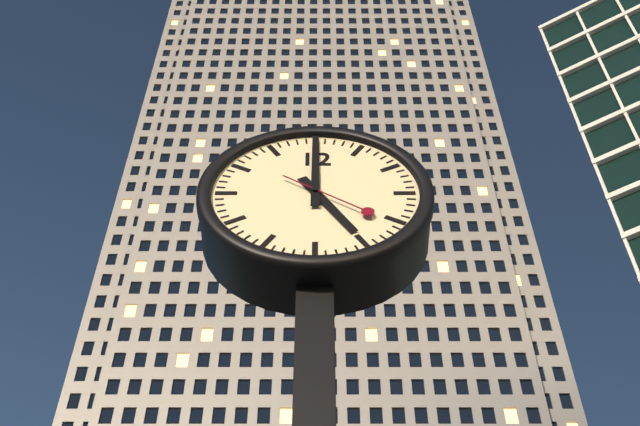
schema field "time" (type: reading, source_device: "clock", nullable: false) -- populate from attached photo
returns 5:00:21
